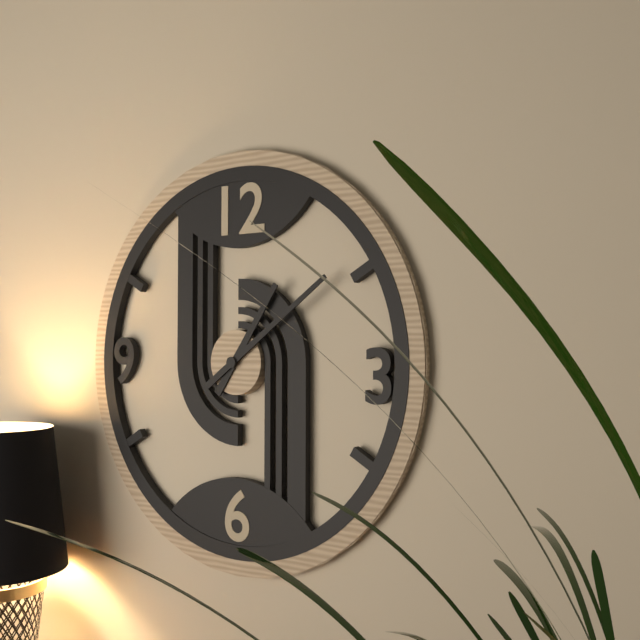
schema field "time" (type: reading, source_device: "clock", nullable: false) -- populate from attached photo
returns 1:09
